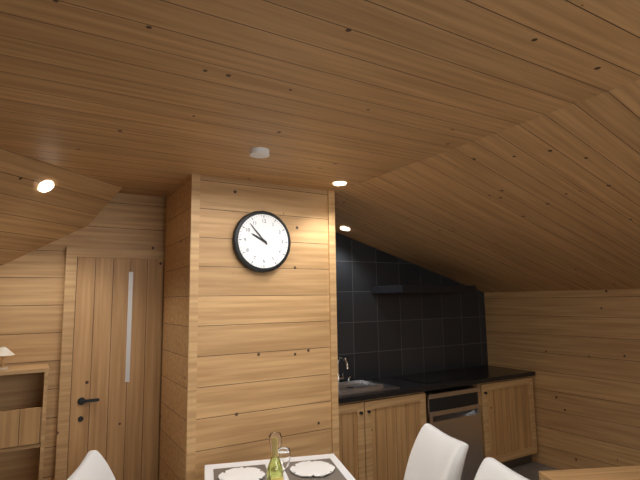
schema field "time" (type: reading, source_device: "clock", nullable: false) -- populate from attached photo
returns 9:53
